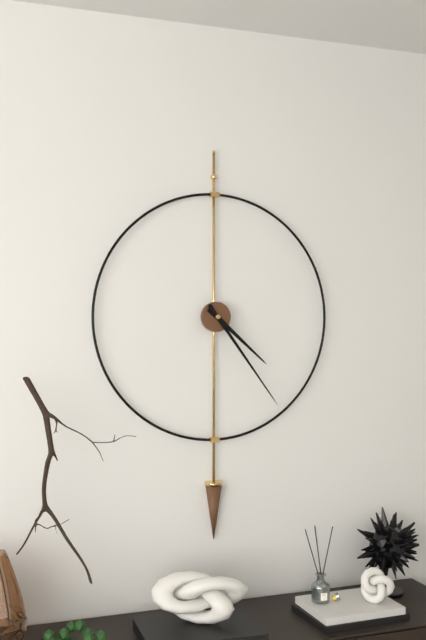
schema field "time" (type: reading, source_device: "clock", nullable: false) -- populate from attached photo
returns 4:24
